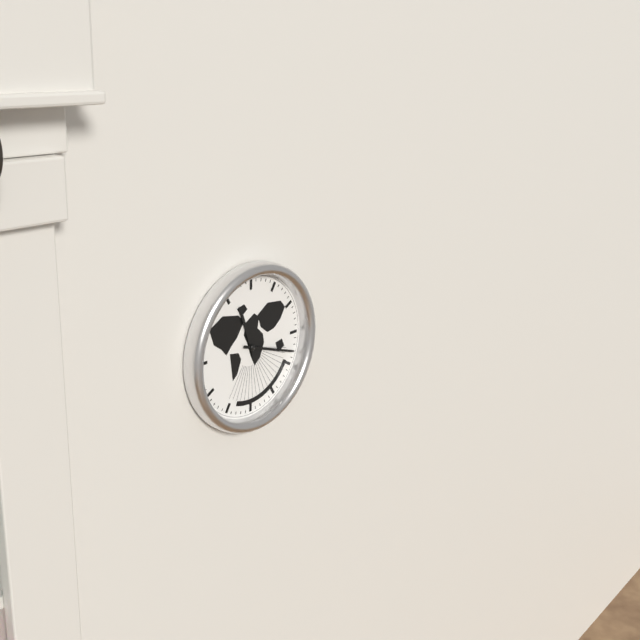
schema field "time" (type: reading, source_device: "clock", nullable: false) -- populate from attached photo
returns 11:18
